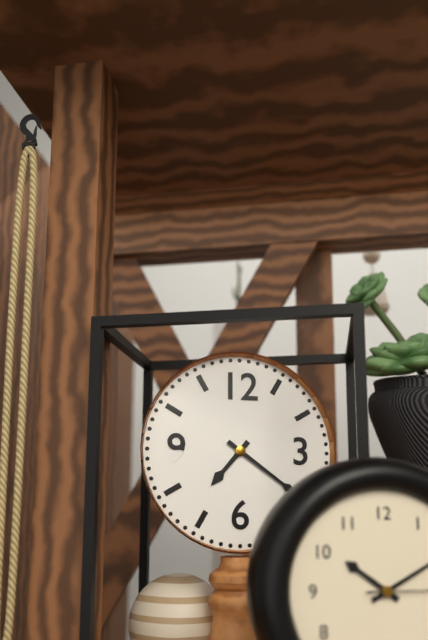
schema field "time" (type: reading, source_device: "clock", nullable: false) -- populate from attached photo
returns 7:21
